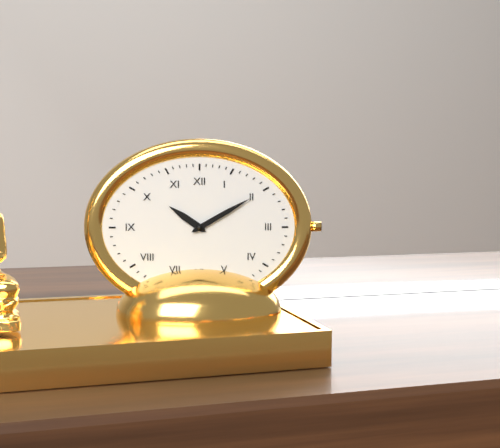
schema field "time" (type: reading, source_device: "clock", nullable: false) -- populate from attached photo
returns 10:10
